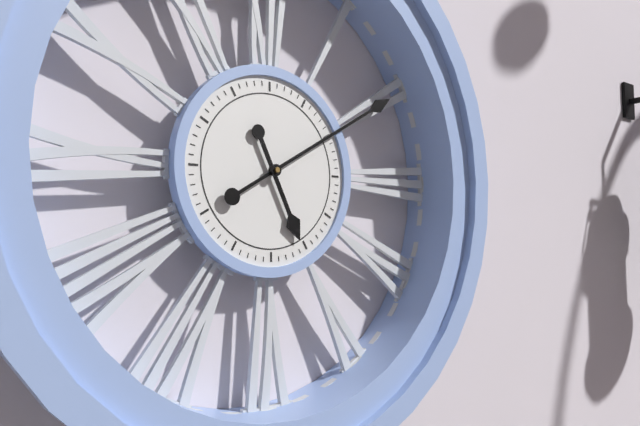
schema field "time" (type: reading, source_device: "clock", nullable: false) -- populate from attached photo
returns 5:10
